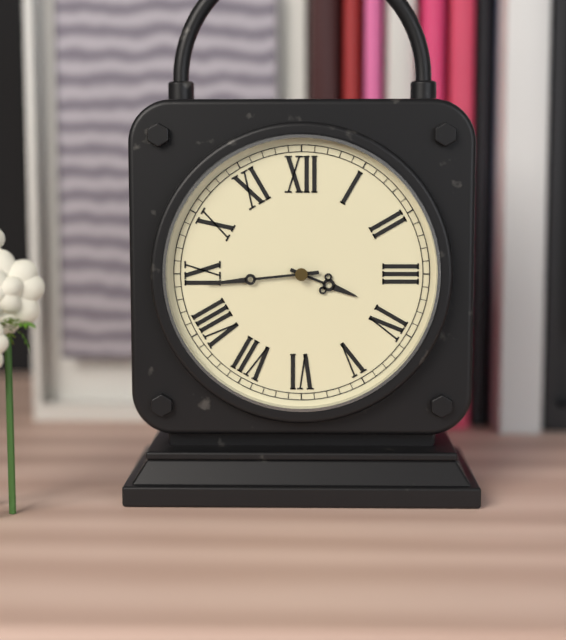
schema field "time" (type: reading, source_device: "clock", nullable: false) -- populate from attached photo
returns 3:44
